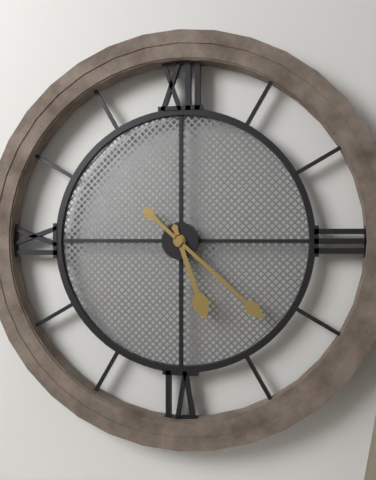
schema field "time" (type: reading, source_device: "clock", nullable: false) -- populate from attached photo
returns 5:22
